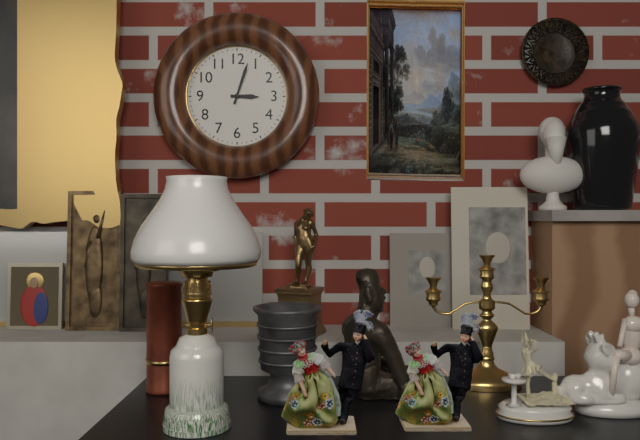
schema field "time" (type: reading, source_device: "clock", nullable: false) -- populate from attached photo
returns 3:03
